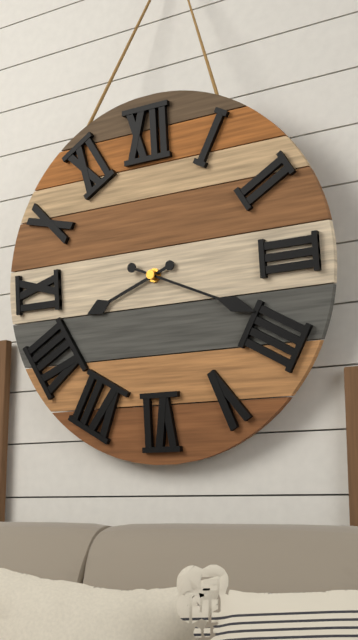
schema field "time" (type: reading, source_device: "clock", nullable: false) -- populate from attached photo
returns 8:19
